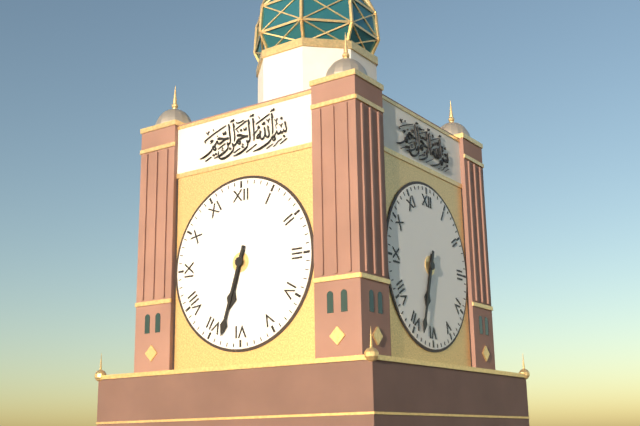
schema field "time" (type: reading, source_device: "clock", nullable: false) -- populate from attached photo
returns 6:33
